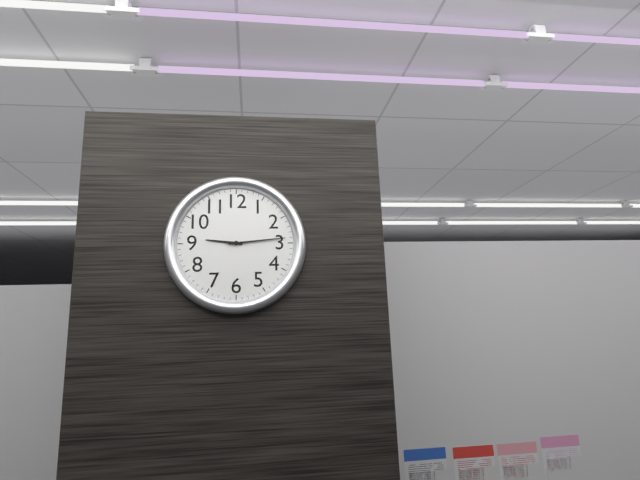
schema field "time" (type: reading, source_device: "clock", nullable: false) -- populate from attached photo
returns 9:14
